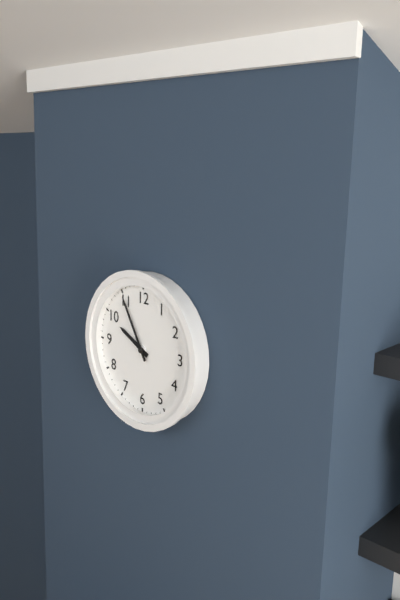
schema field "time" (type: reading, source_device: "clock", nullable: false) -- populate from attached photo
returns 9:55
